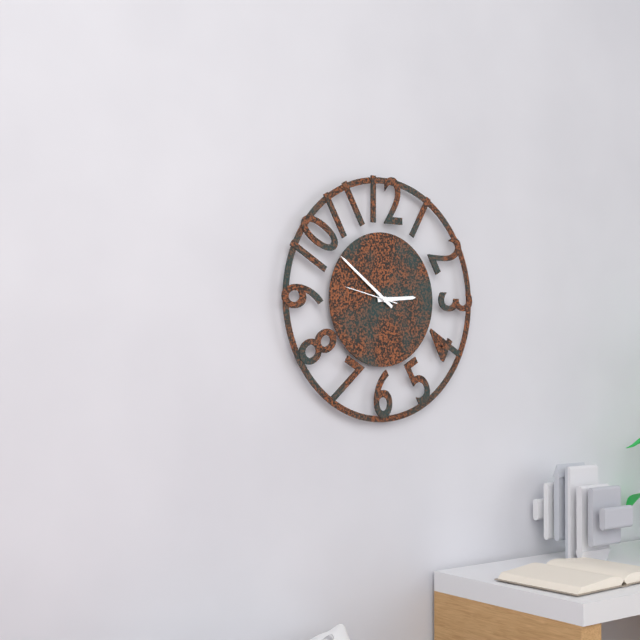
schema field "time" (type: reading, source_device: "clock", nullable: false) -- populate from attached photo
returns 2:51
